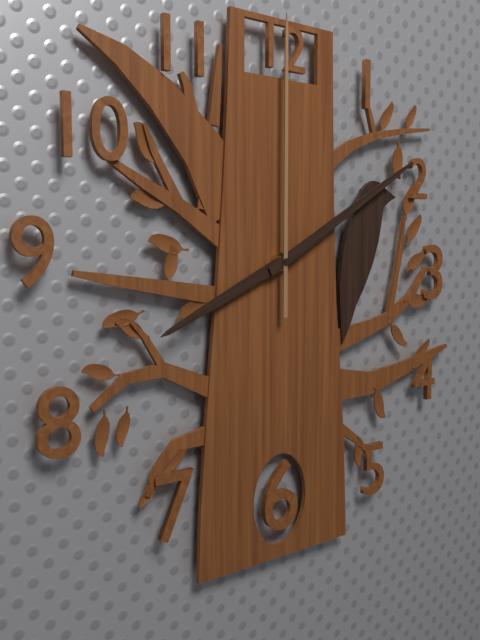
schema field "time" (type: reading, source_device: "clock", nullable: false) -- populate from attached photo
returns 8:10:00
